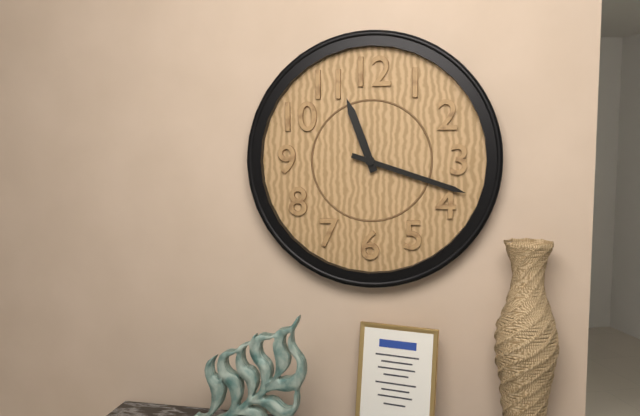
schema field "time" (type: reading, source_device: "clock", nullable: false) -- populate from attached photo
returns 11:18
